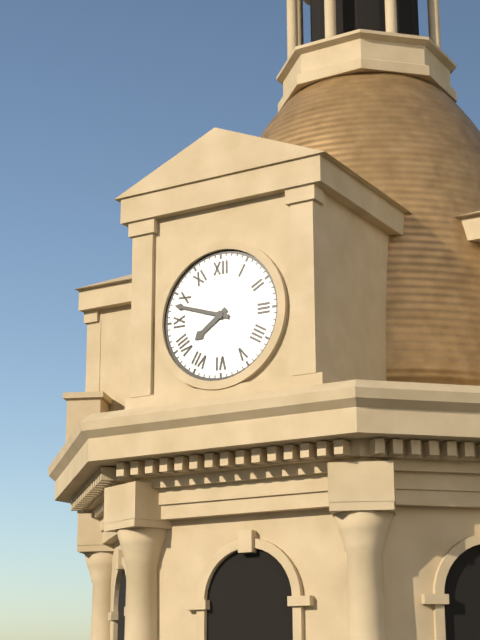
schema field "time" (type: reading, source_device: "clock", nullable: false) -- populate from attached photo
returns 7:48
